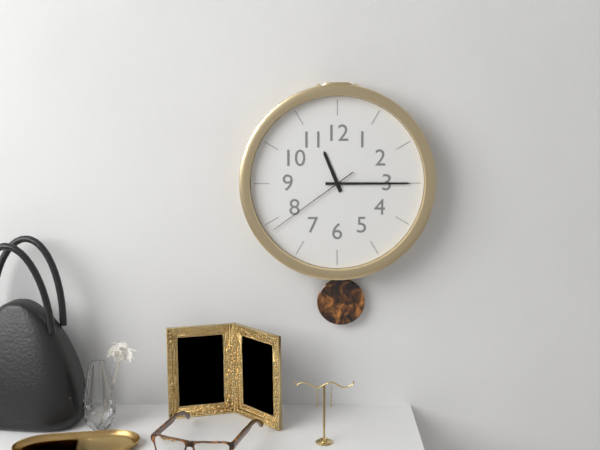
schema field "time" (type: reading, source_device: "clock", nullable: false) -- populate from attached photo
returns 11:15:39
